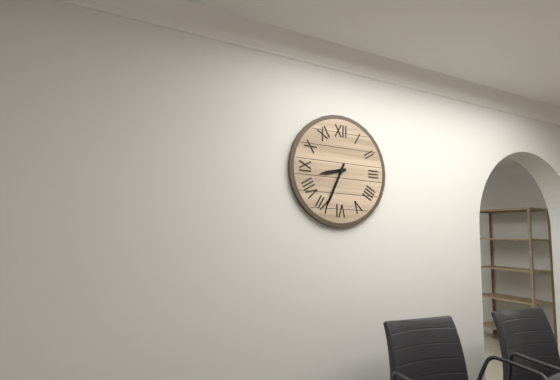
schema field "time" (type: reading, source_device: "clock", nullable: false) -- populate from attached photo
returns 8:34
